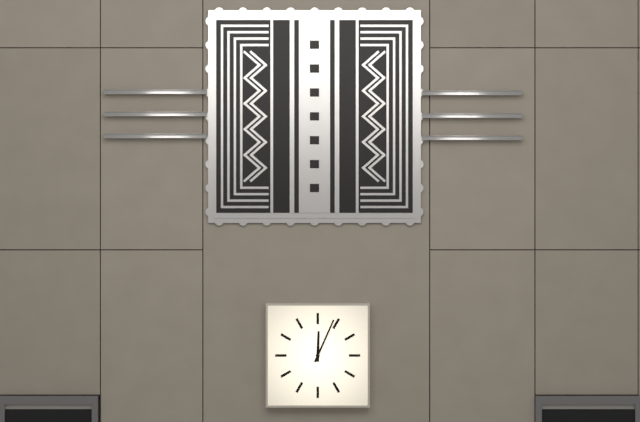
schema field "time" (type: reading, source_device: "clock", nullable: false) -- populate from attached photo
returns 12:04
